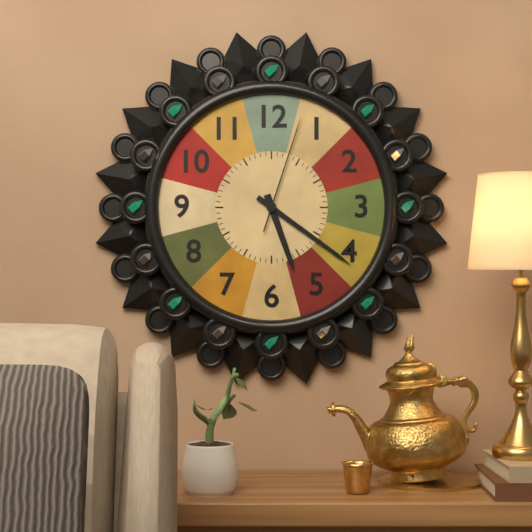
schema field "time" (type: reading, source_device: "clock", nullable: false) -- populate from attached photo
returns 5:21:03
